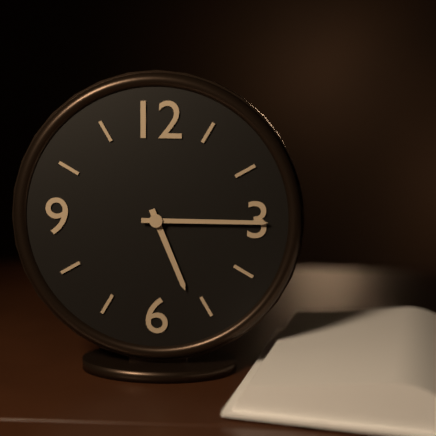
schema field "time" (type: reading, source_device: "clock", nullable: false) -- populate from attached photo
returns 5:15
